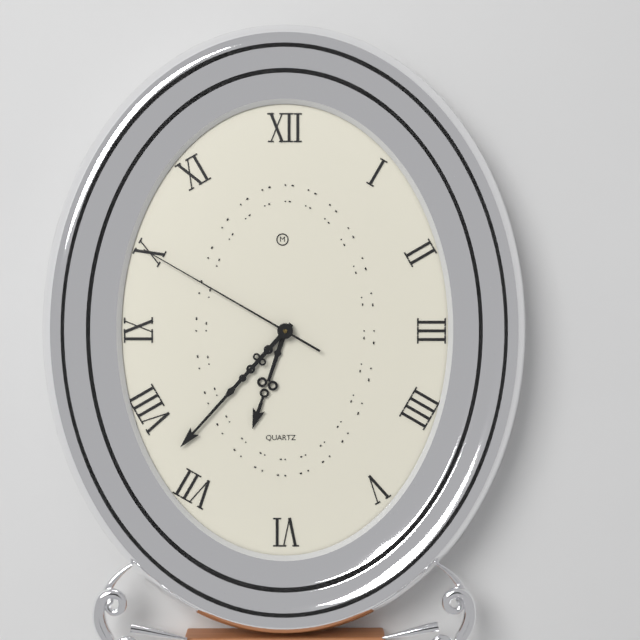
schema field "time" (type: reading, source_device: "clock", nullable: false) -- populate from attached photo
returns 6:37:50
